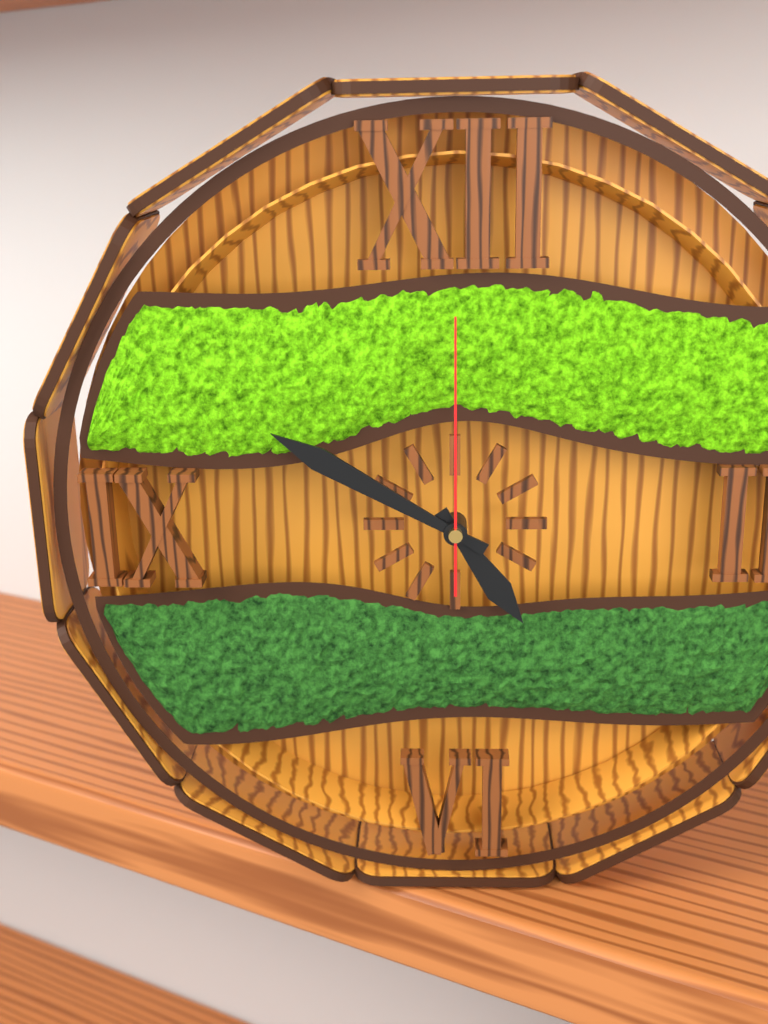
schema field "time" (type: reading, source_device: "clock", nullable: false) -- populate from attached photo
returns 4:50:00
